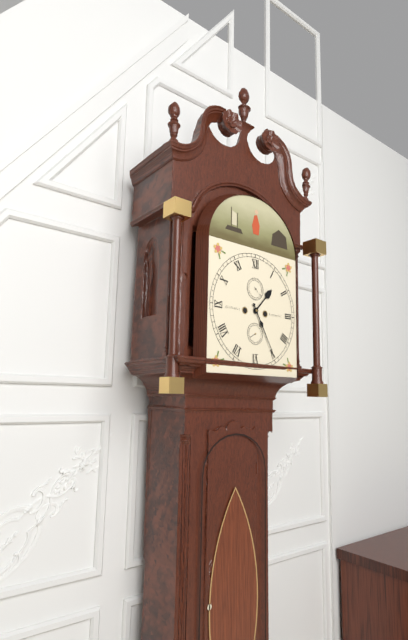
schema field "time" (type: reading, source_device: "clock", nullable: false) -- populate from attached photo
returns 1:25
